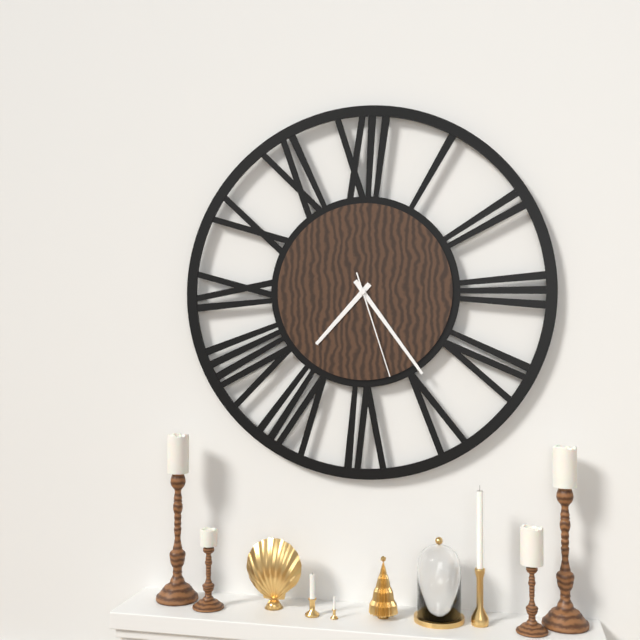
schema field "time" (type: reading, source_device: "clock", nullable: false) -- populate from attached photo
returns 7:24:27
